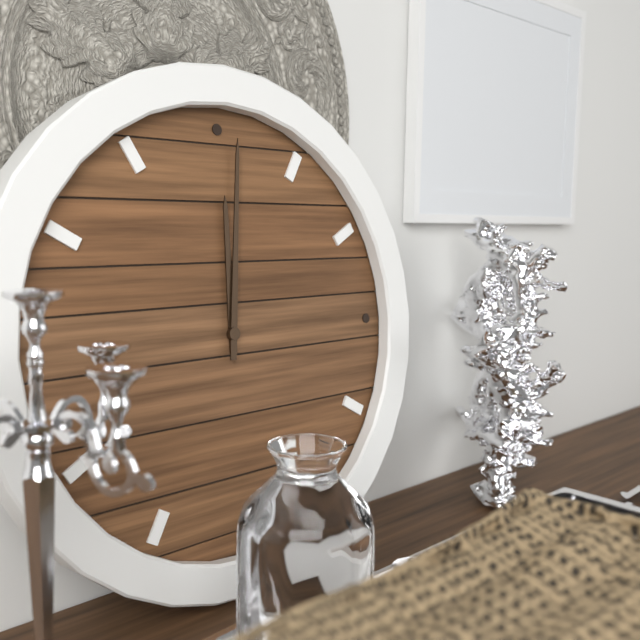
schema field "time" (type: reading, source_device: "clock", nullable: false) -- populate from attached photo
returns 12:01
